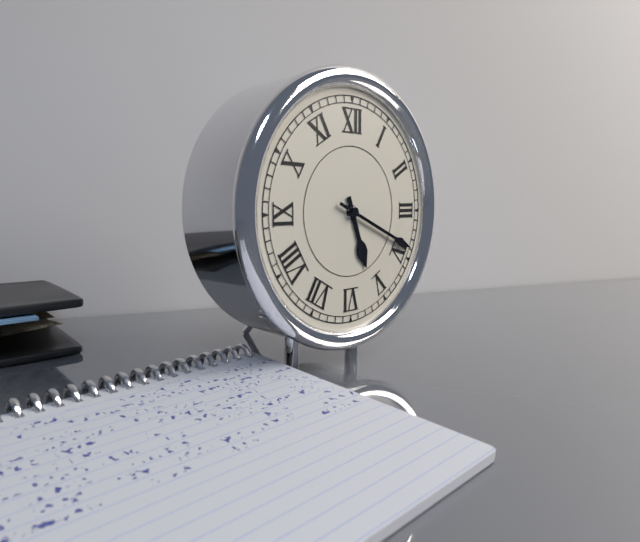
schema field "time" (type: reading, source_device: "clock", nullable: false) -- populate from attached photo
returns 5:19
